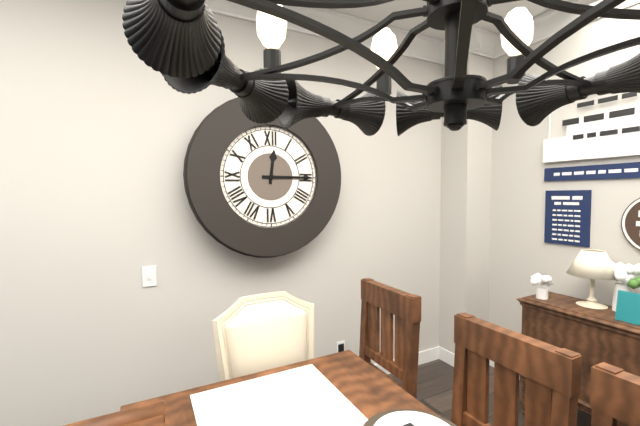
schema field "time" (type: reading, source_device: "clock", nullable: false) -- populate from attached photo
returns 12:15
